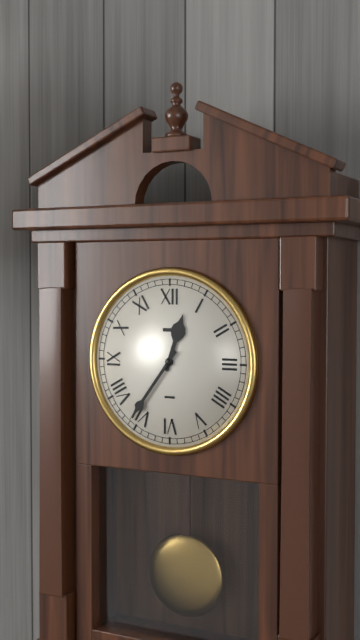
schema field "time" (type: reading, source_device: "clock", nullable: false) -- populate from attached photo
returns 12:36
